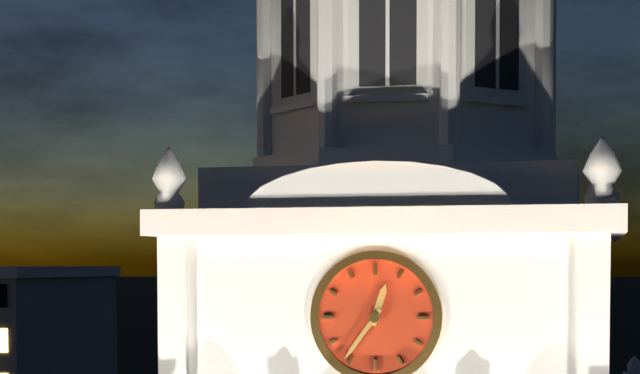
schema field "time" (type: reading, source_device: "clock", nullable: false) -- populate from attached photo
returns 12:36
